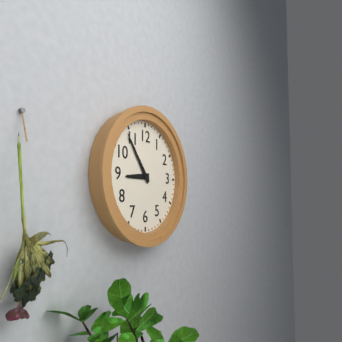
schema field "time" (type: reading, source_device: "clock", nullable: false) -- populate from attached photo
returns 8:54
